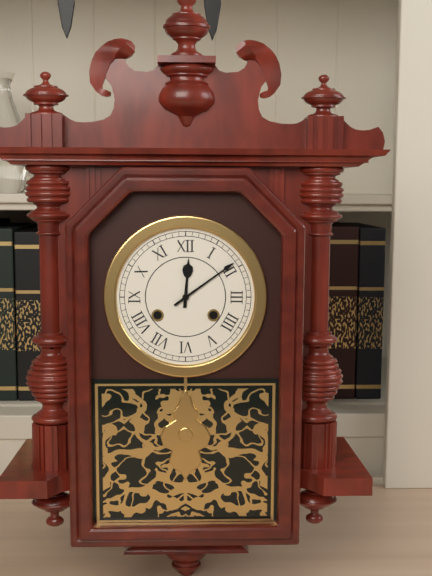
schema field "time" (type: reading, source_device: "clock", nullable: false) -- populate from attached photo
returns 12:09
